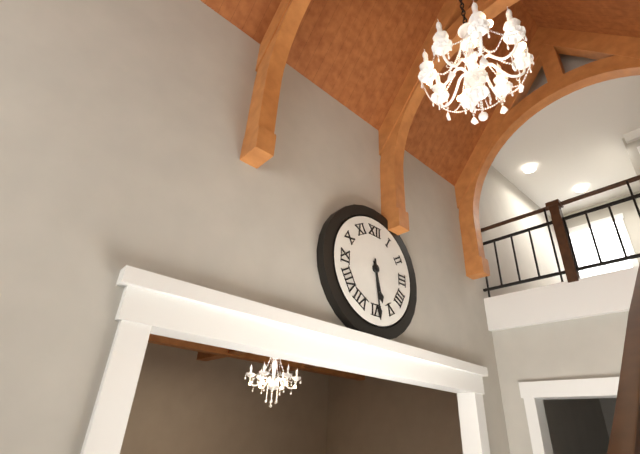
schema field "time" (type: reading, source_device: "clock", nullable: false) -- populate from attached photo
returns 5:29
